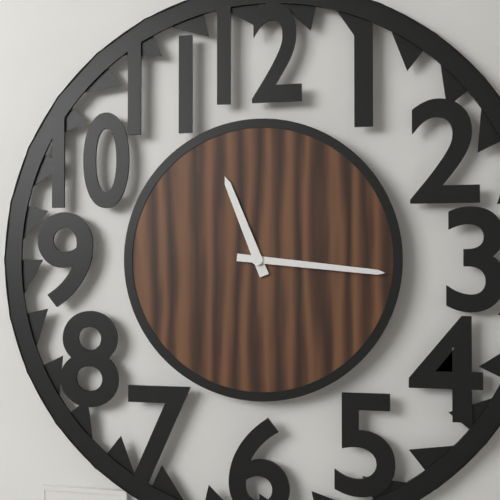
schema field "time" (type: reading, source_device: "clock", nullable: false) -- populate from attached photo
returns 11:16
